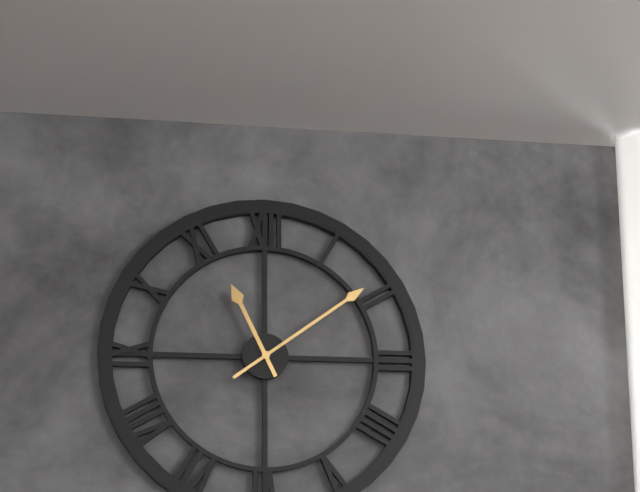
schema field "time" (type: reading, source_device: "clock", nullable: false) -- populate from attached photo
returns 11:09
